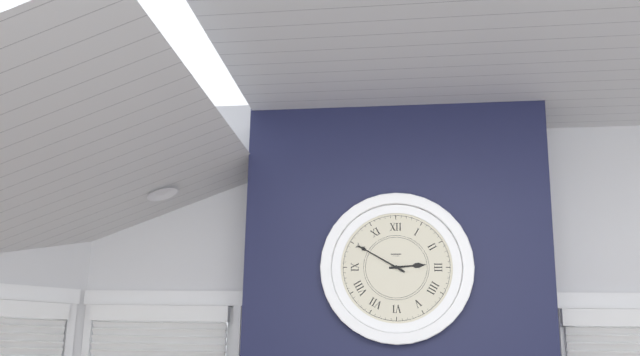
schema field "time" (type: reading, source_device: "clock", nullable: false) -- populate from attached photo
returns 2:50
